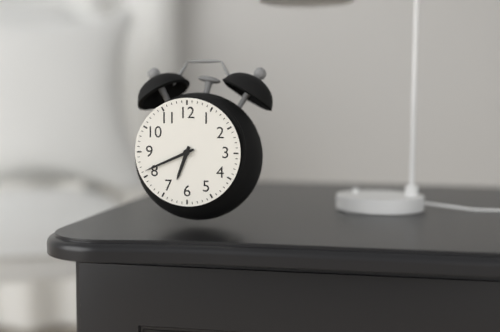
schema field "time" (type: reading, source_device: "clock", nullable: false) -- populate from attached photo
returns 6:41
